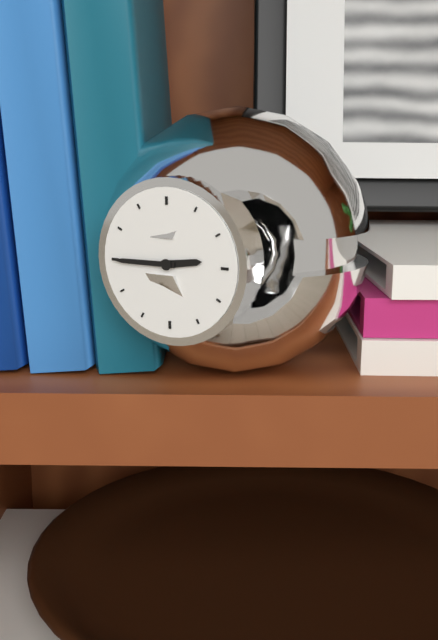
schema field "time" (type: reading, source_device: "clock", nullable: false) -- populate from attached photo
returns 2:45
